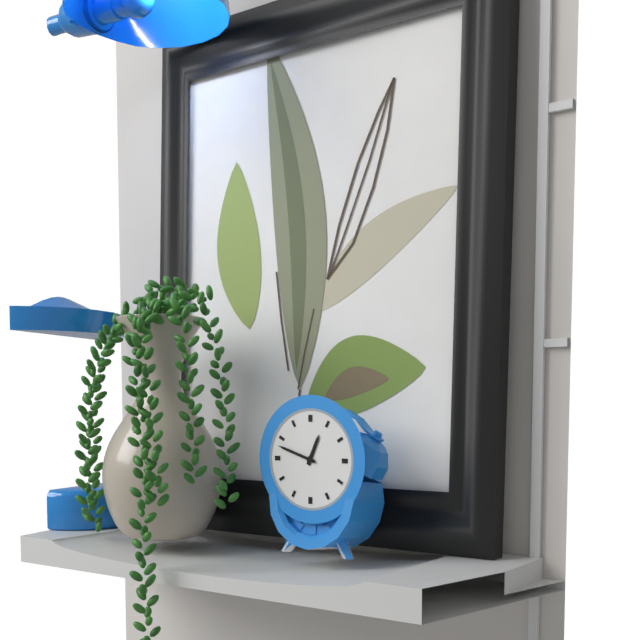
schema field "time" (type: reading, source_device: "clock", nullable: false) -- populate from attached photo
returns 12:48
